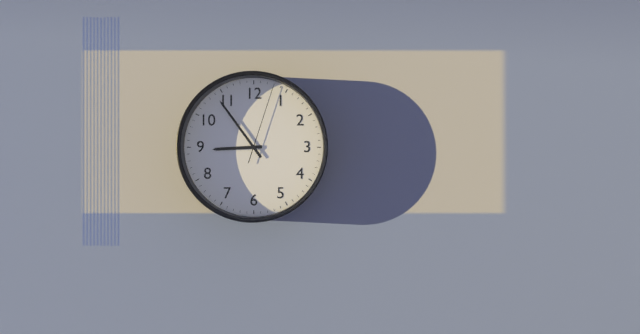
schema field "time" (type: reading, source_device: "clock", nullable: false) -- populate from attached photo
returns 8:54:03
